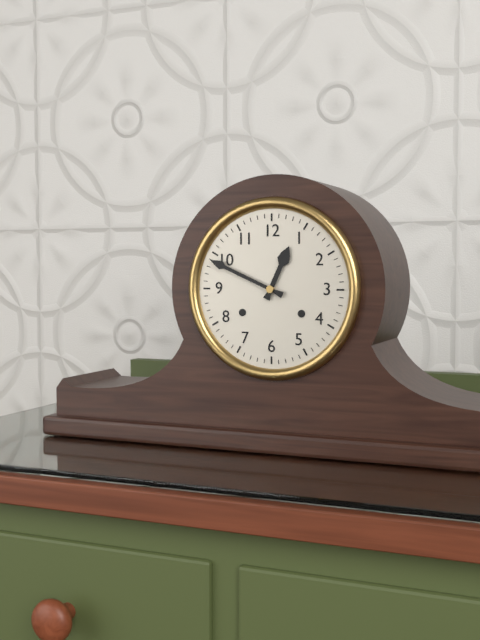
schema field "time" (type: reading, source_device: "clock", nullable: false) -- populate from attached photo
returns 12:49
